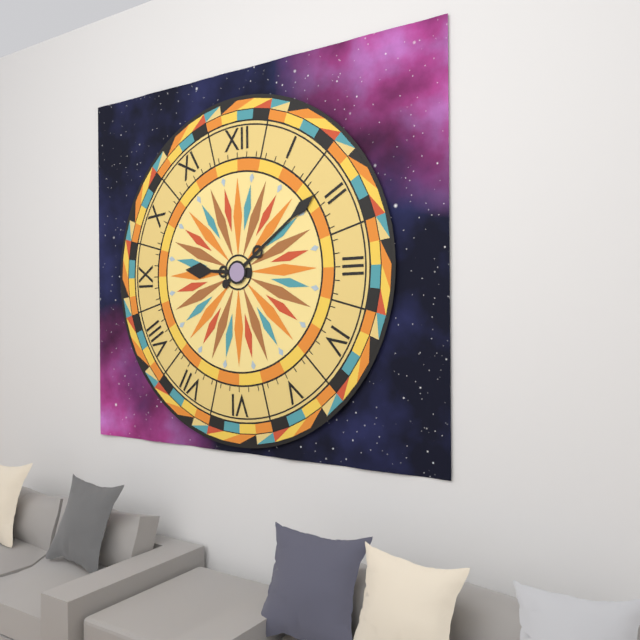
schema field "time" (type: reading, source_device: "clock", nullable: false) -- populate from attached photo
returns 9:09
